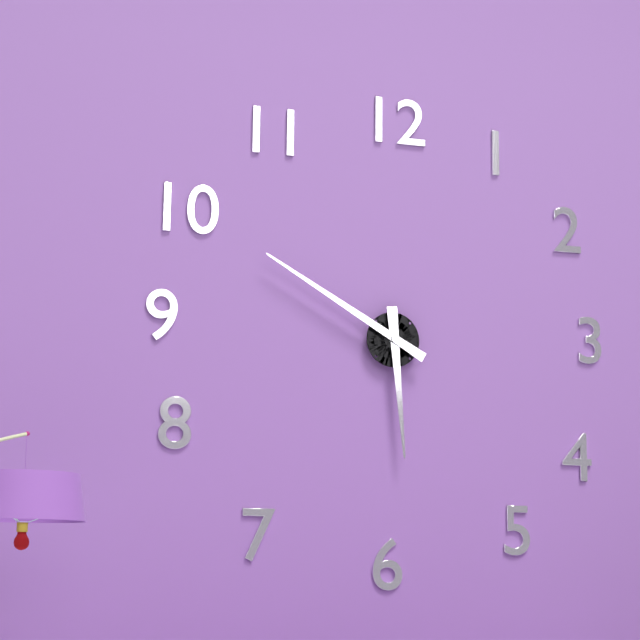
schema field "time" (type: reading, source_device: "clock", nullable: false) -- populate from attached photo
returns 5:50
